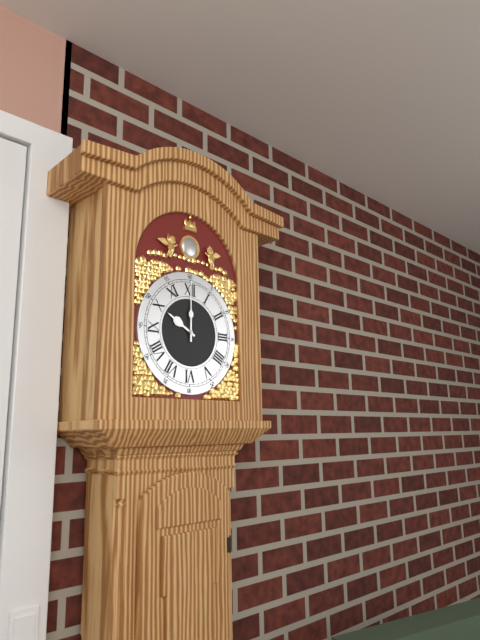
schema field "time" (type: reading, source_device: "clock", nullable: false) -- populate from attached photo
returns 10:00
